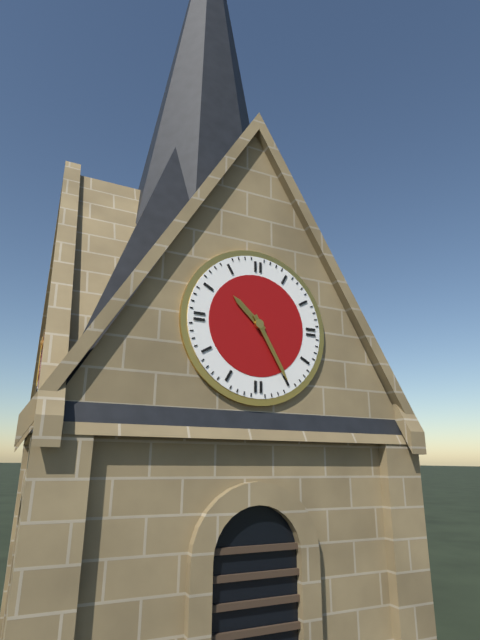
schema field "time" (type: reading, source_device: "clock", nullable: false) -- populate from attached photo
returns 10:25
